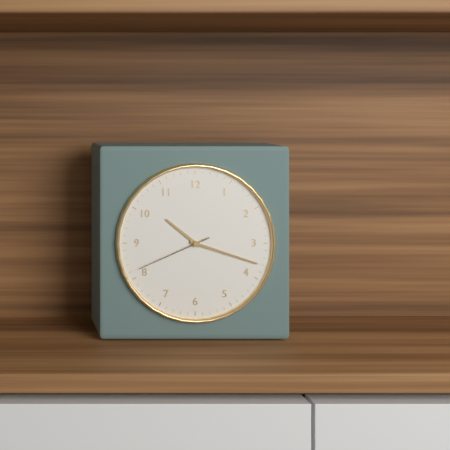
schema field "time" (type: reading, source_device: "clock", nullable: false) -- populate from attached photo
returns 10:18:41
